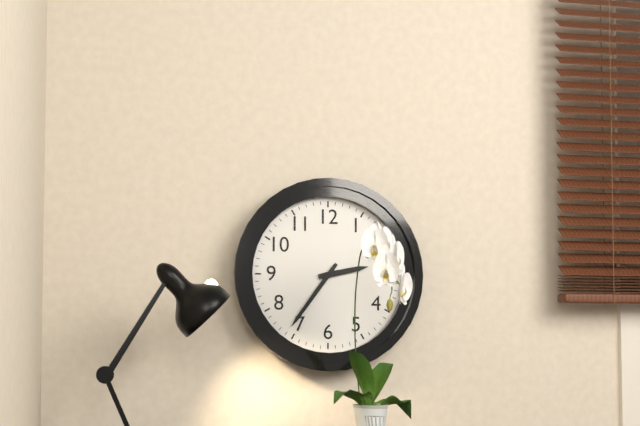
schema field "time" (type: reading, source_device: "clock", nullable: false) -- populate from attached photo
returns 2:36
